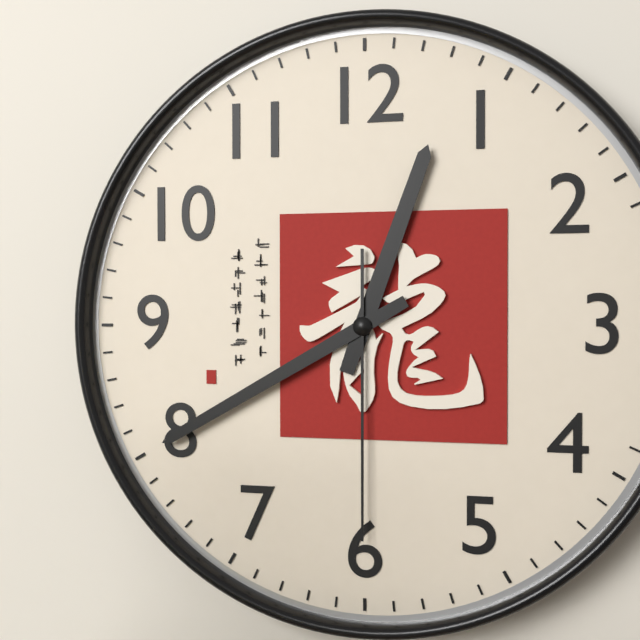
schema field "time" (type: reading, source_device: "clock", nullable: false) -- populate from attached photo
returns 12:40:30
